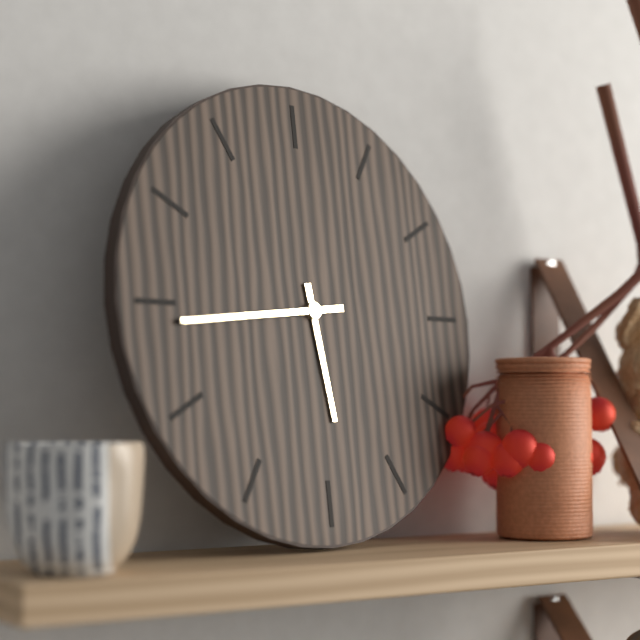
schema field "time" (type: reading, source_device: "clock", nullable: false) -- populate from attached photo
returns 5:44
